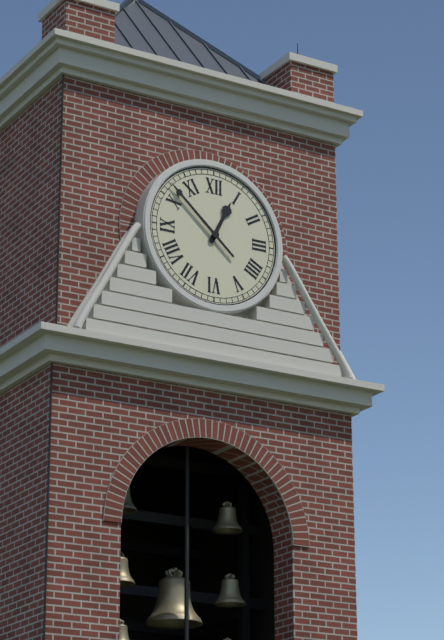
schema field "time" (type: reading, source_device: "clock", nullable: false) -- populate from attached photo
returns 12:52
